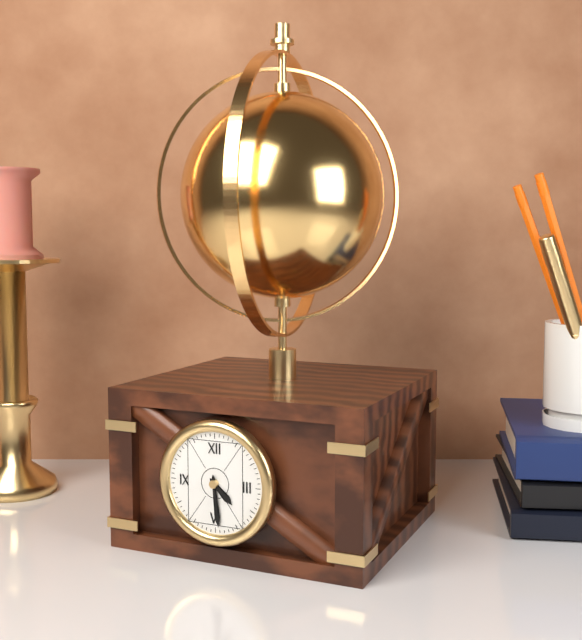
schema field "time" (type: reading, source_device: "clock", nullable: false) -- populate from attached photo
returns 4:29
